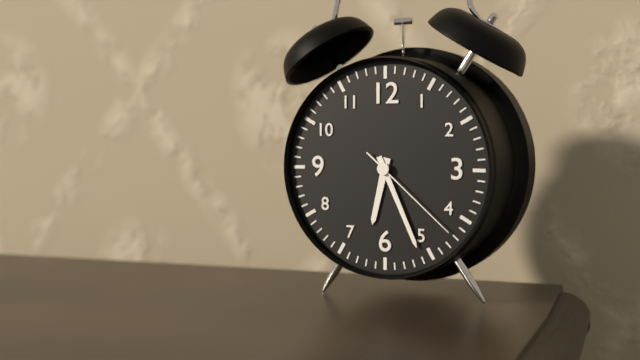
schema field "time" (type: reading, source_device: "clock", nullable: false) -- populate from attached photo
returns 6:26:22
